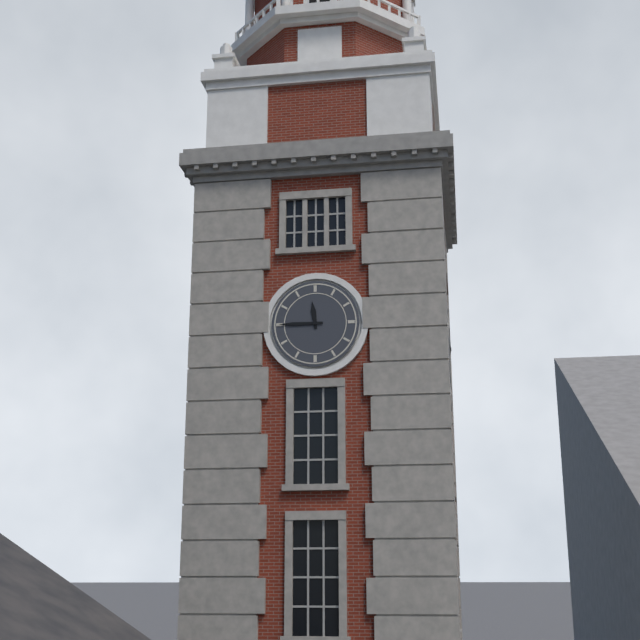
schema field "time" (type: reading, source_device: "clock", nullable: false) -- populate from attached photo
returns 11:45
